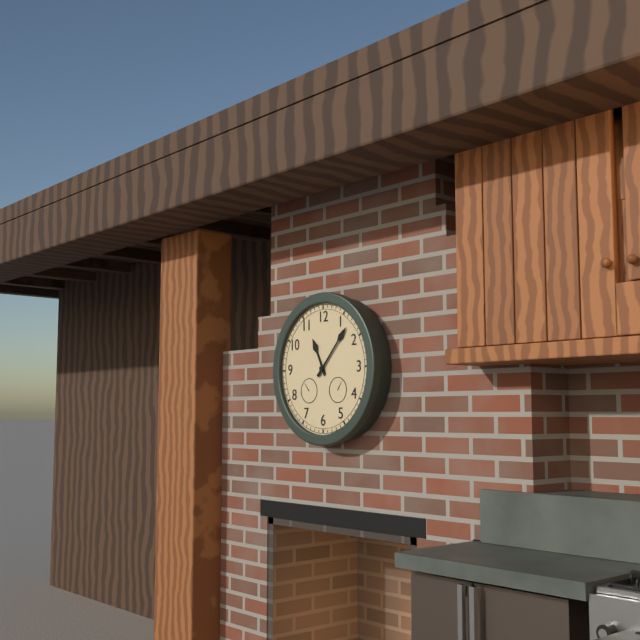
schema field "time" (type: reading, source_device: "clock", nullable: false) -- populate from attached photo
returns 11:07
